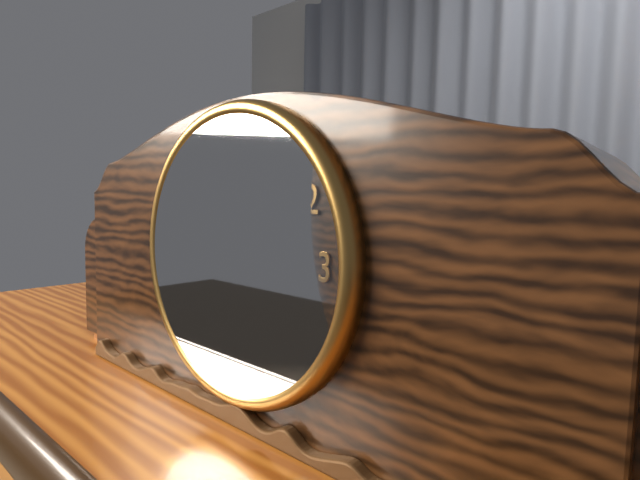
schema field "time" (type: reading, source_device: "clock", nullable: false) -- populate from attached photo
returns 1:53
